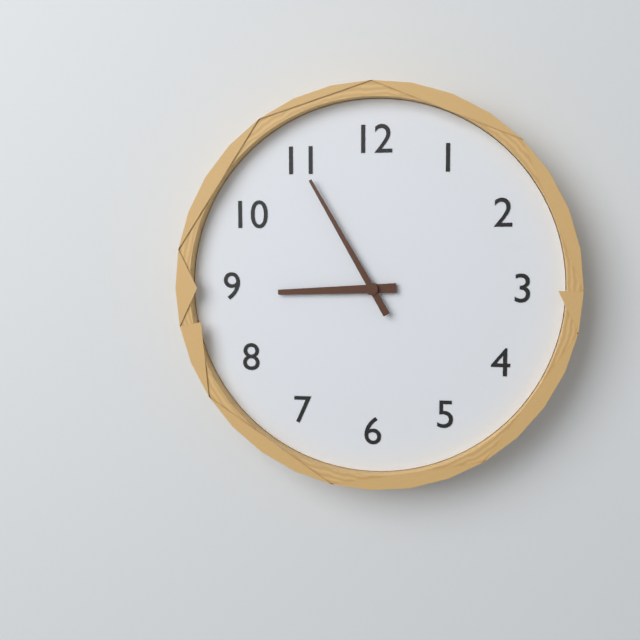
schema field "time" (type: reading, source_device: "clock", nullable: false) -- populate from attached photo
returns 8:55
